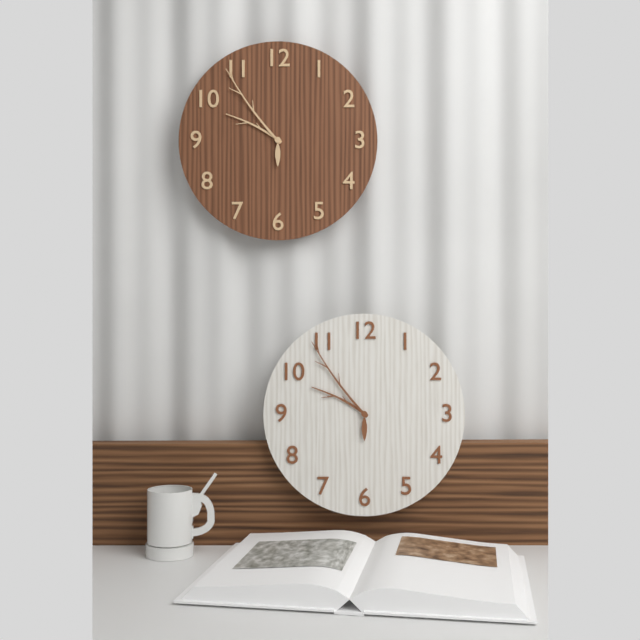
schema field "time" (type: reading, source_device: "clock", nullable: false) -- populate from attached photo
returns 9:54
